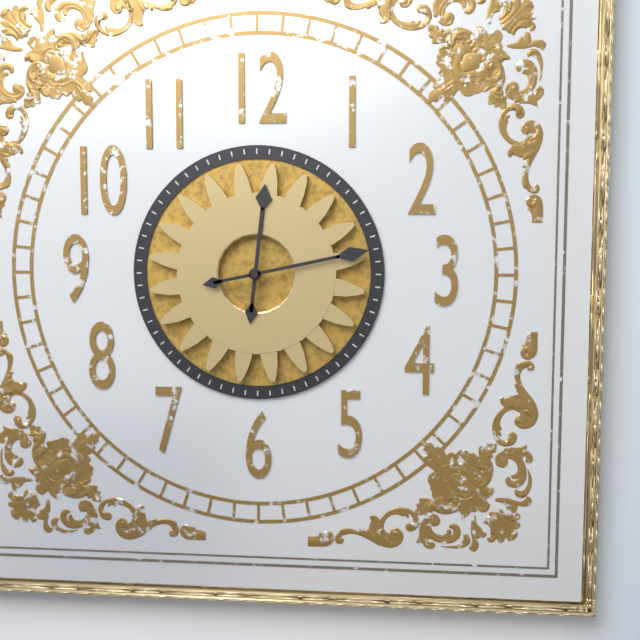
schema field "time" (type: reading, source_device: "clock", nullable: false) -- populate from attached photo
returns 12:13
